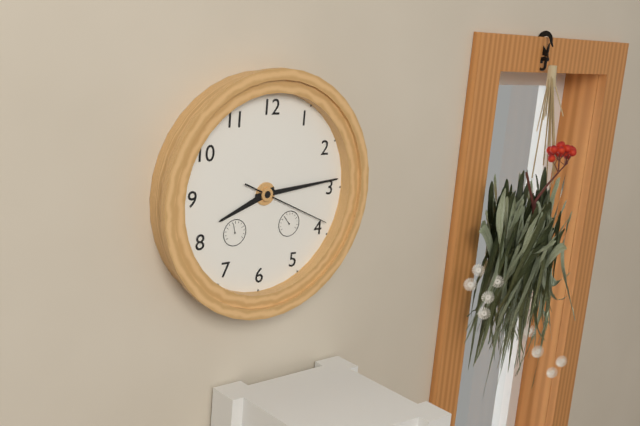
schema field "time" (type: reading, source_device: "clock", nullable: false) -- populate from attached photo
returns 8:14:19
